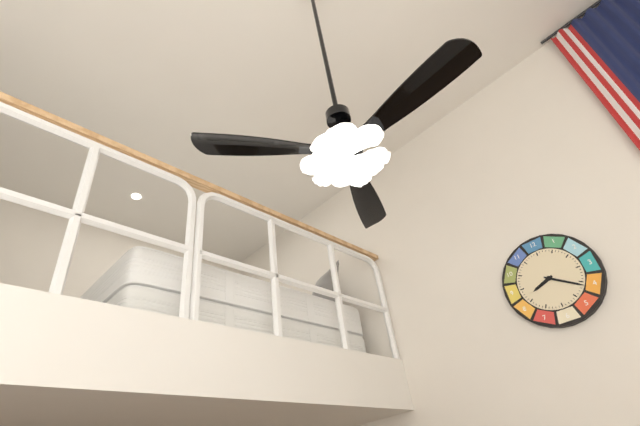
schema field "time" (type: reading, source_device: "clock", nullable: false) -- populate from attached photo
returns 8:21
